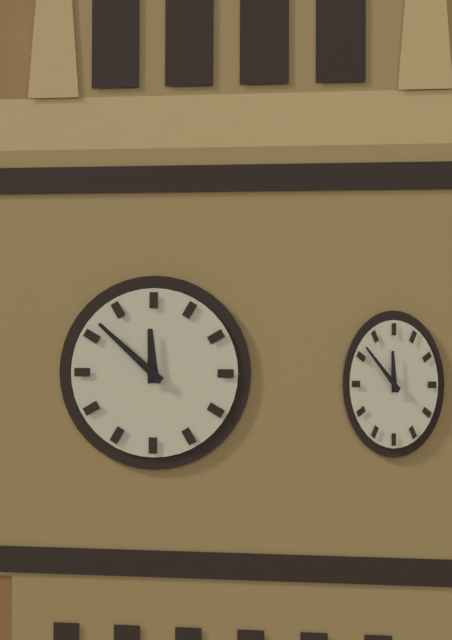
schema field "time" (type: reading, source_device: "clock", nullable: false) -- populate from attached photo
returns 11:52
